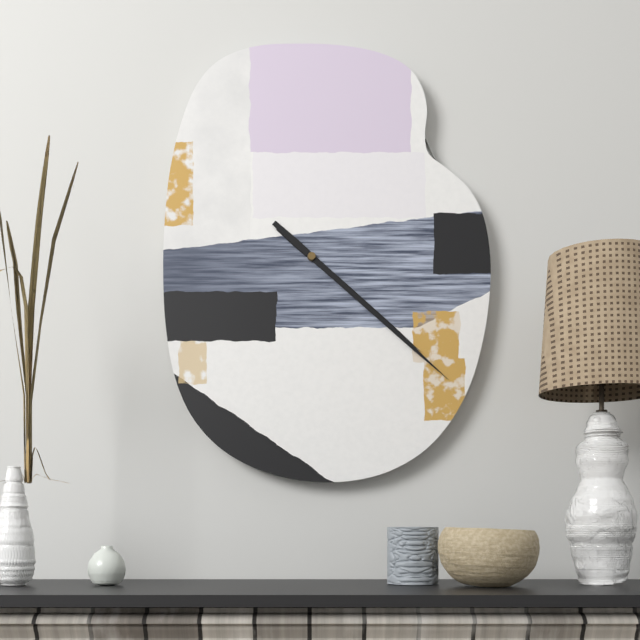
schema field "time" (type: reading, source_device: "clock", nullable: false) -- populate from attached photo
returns 4:22
